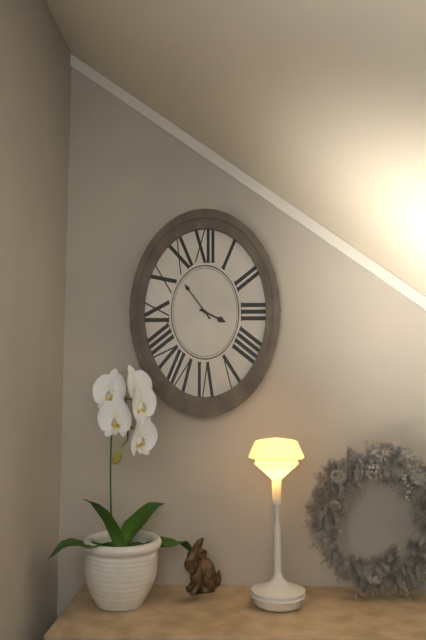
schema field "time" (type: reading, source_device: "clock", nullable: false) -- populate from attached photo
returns 3:54
